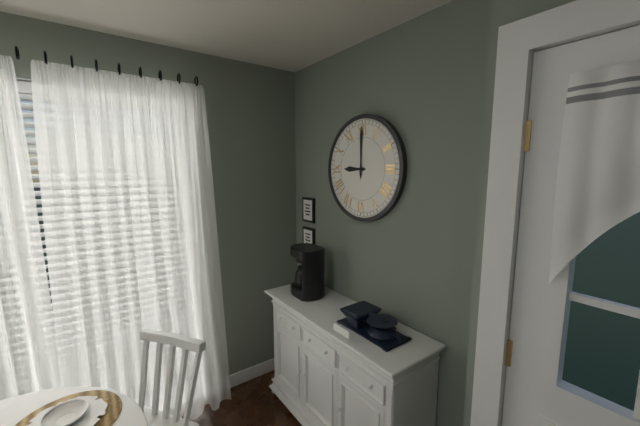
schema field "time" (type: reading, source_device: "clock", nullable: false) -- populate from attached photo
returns 9:00
